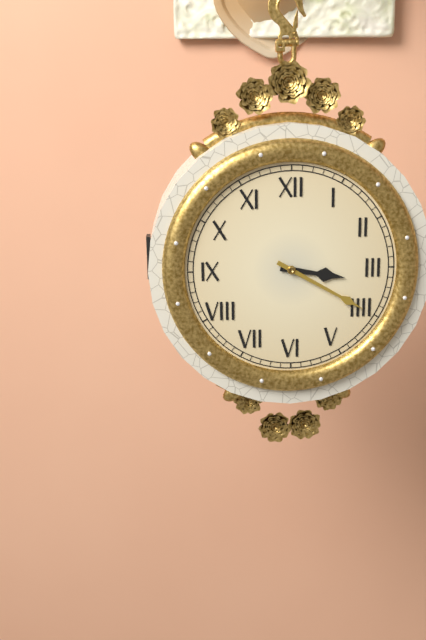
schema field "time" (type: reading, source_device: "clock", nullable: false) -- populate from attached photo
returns 3:20
